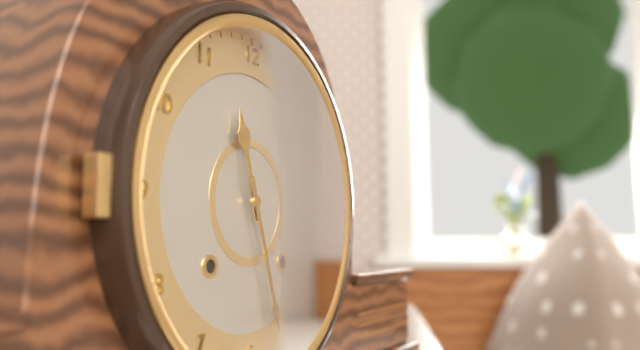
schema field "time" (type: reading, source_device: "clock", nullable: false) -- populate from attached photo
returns 11:27
